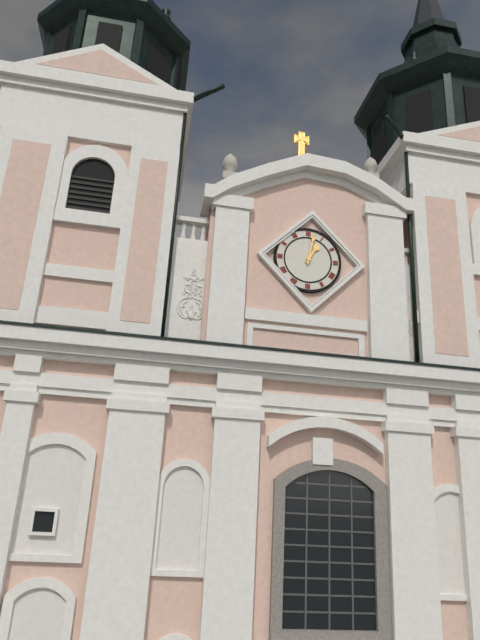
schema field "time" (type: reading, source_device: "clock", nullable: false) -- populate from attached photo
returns 1:02
